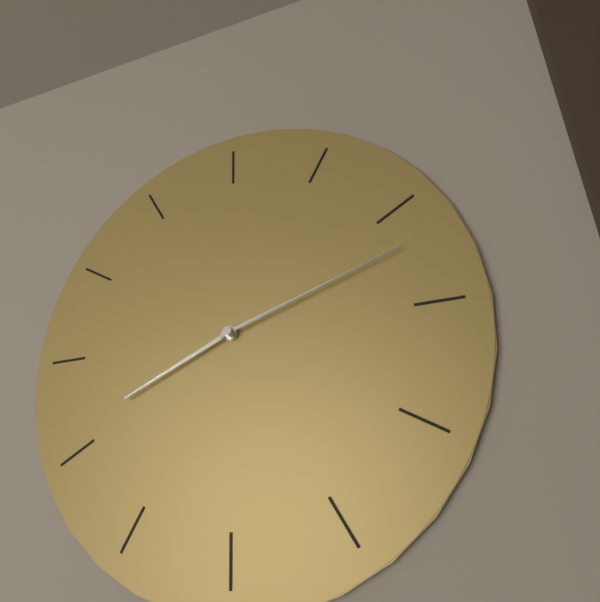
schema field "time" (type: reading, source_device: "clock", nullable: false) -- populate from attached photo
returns 8:12
